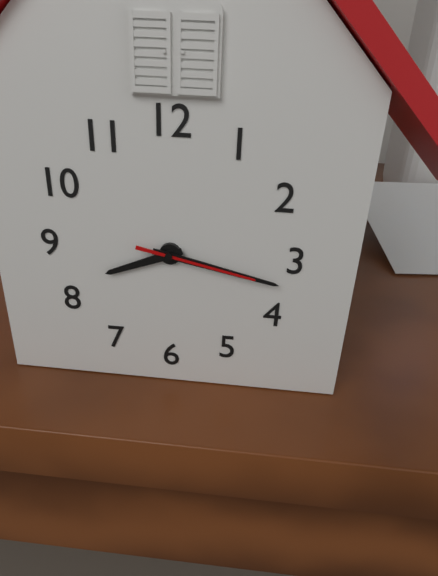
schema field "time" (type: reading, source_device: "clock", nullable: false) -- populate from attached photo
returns 8:17:17
